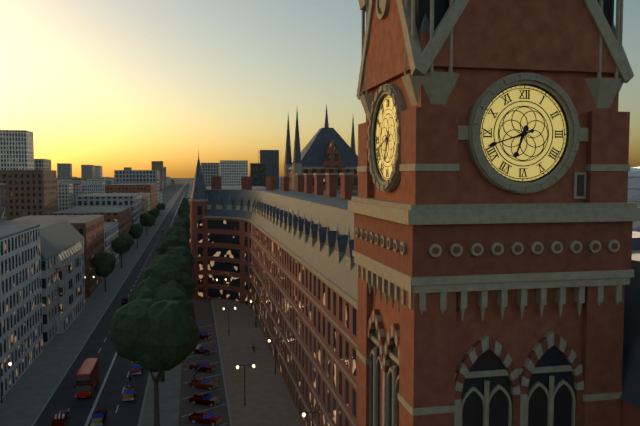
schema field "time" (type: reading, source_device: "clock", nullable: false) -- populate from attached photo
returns 6:42
